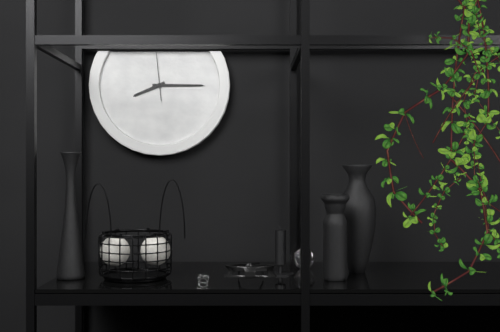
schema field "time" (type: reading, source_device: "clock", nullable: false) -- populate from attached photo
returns 8:15:59
